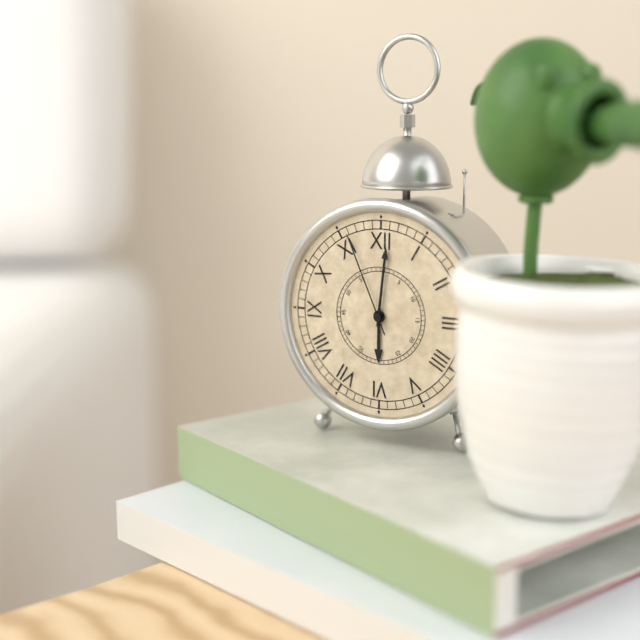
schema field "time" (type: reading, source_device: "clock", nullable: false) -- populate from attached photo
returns 6:01:56
